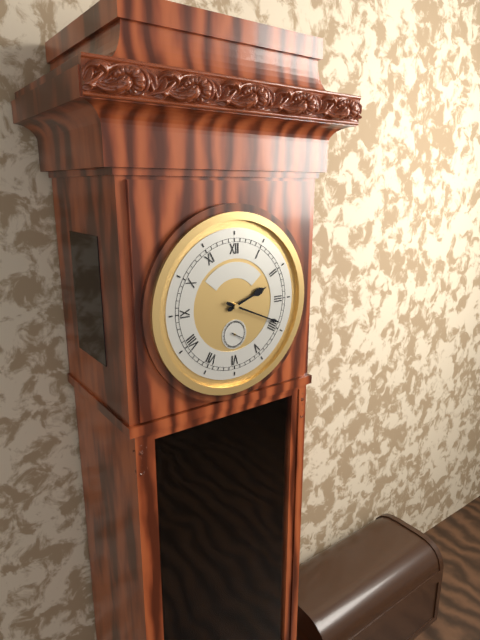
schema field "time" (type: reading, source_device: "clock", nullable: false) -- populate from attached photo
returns 2:19
